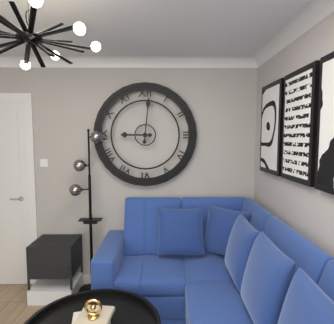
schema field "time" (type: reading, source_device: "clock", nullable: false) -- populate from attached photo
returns 9:01
